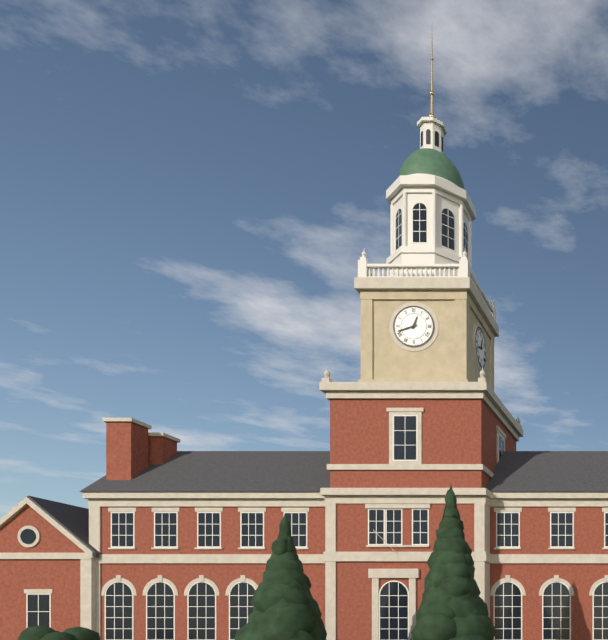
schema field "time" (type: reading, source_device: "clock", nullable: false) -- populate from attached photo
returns 12:42
